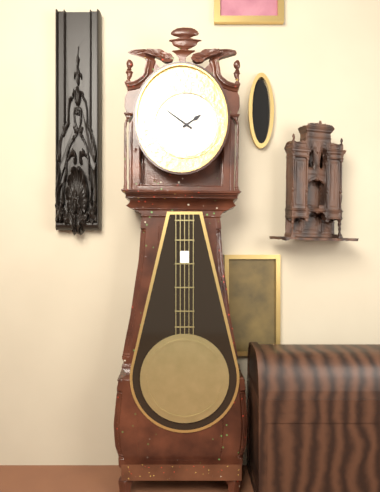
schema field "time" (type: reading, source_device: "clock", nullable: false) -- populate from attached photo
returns 1:51
